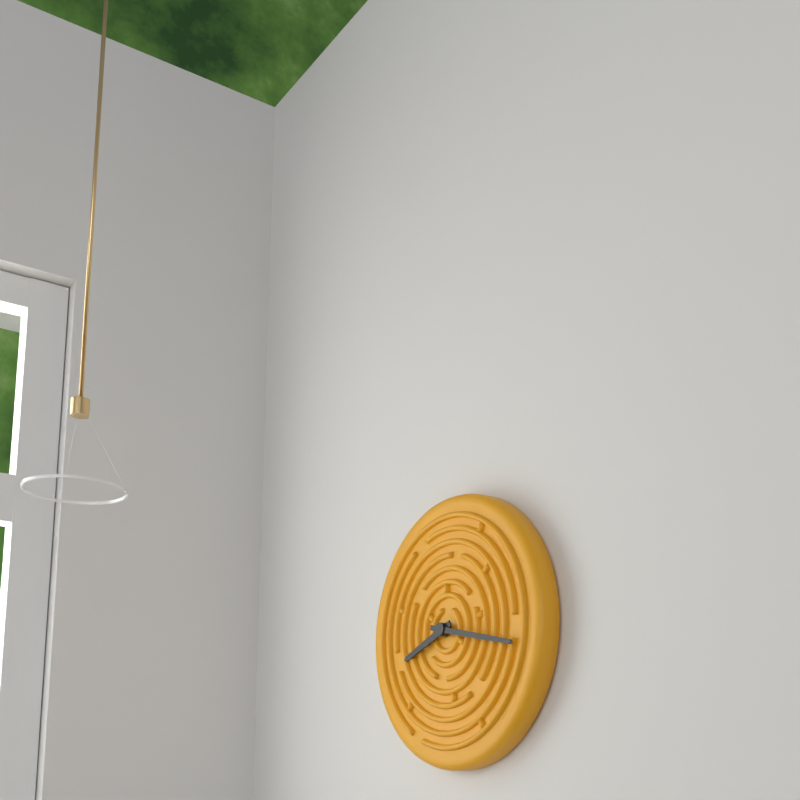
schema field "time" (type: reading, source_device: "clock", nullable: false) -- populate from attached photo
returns 8:17
